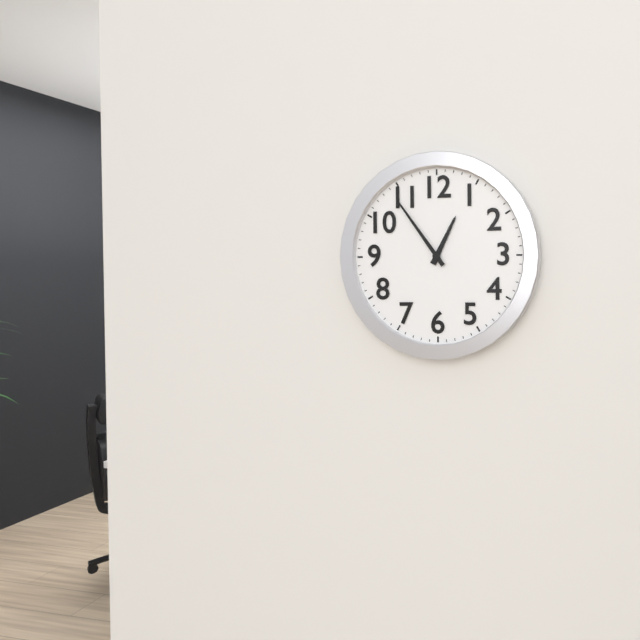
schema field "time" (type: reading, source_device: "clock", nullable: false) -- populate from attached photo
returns 12:54
